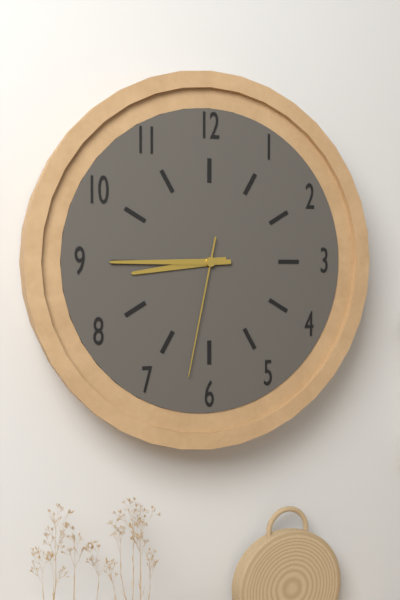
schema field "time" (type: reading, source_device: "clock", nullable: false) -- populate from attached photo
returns 8:45:32
